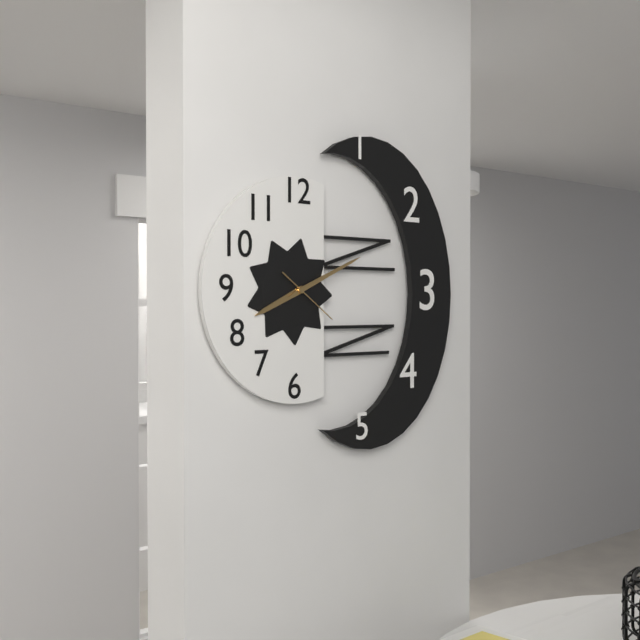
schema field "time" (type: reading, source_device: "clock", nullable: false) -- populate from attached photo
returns 8:11:21
